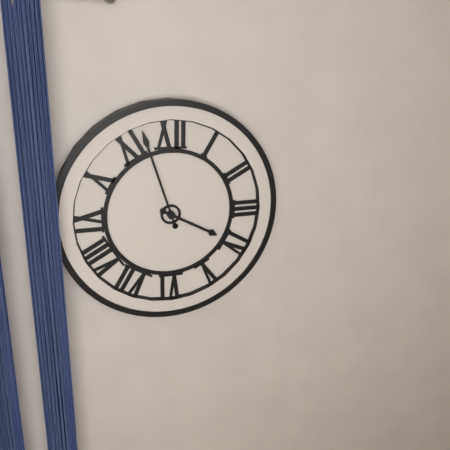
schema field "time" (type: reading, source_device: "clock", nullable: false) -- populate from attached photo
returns 3:57
